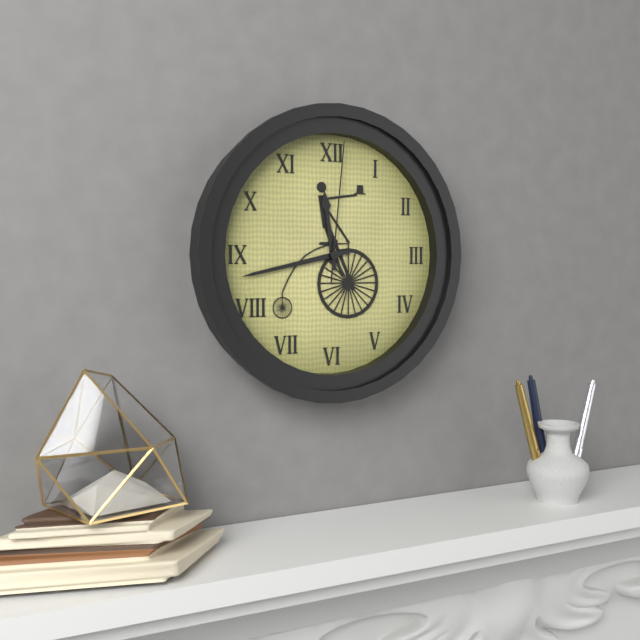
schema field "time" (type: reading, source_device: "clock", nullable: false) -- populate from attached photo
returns 11:43:01
